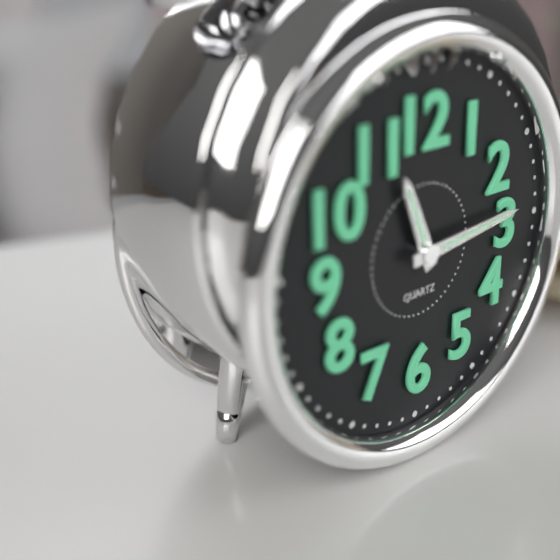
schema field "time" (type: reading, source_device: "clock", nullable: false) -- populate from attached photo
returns 11:14
